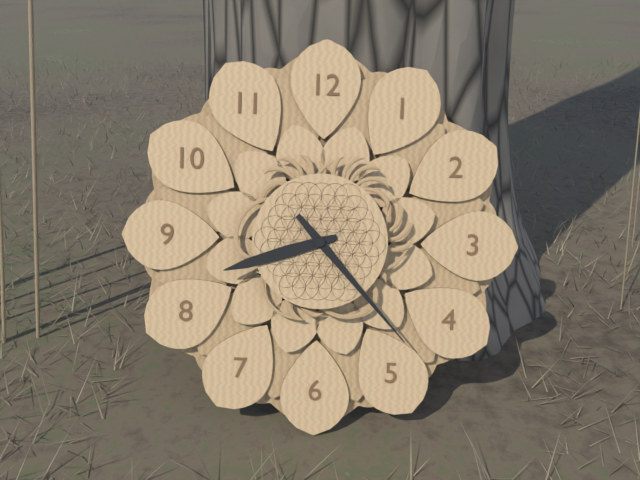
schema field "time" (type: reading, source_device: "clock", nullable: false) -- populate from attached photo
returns 8:23
